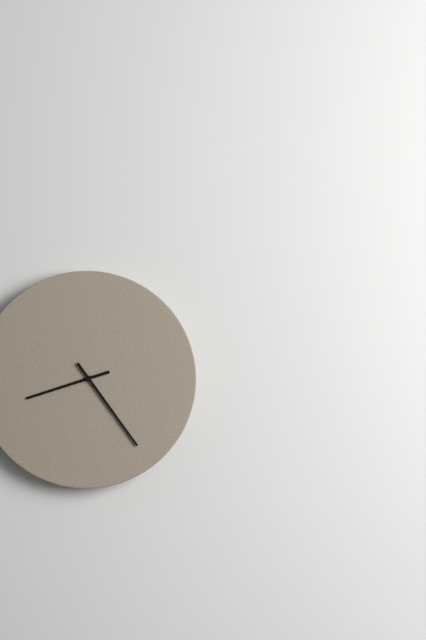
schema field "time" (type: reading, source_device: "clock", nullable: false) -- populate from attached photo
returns 8:24
